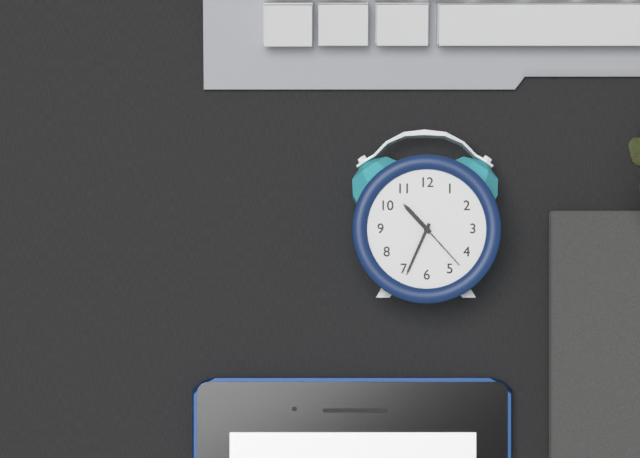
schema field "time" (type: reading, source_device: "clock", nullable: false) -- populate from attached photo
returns 10:34:23
